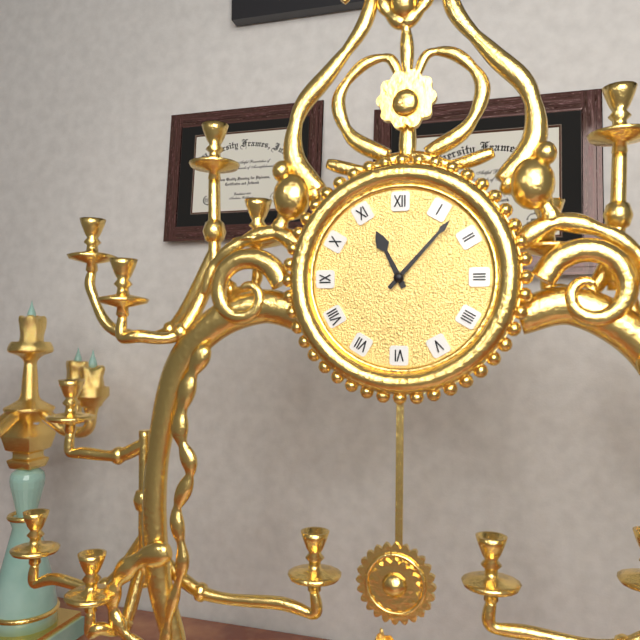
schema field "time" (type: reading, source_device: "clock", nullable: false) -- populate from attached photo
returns 11:07
